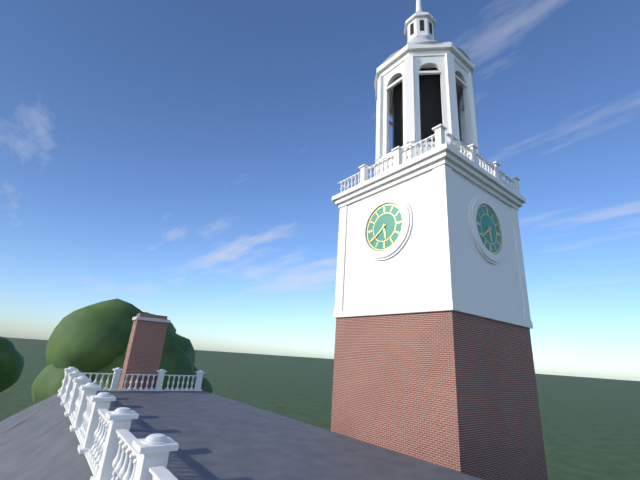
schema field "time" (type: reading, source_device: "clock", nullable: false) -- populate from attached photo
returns 5:39
